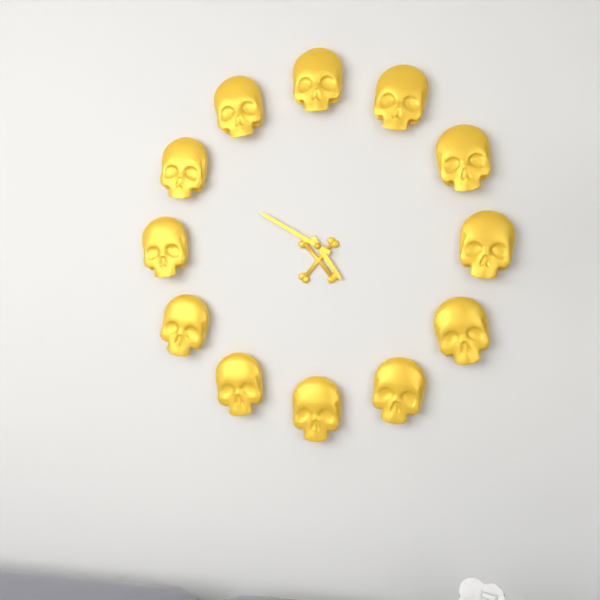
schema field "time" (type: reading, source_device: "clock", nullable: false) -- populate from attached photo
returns 4:50
